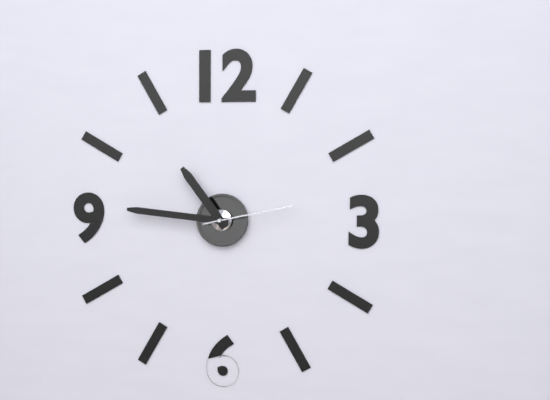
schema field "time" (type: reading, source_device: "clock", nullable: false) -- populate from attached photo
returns 10:46:13
